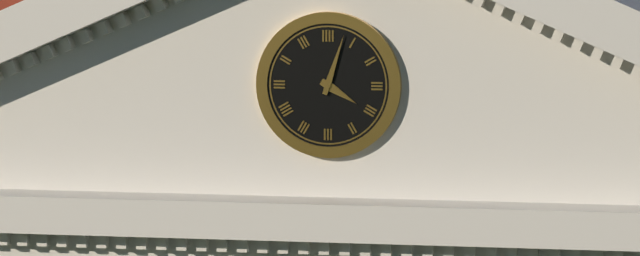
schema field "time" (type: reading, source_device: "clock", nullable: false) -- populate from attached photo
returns 4:03
